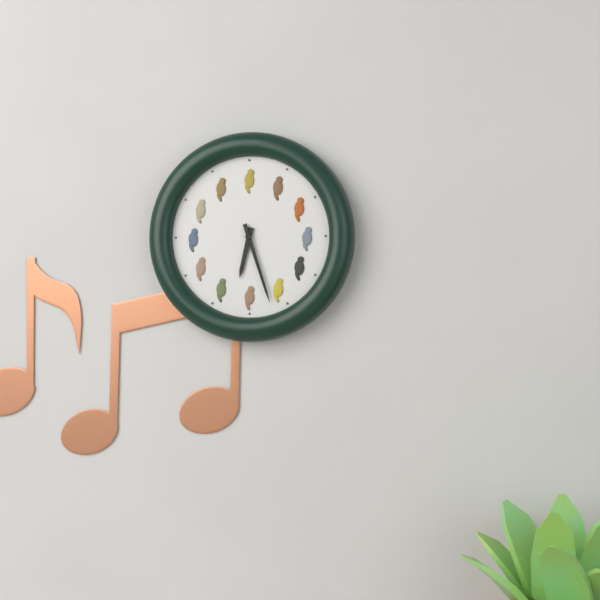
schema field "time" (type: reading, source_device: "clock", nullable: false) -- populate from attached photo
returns 6:27
